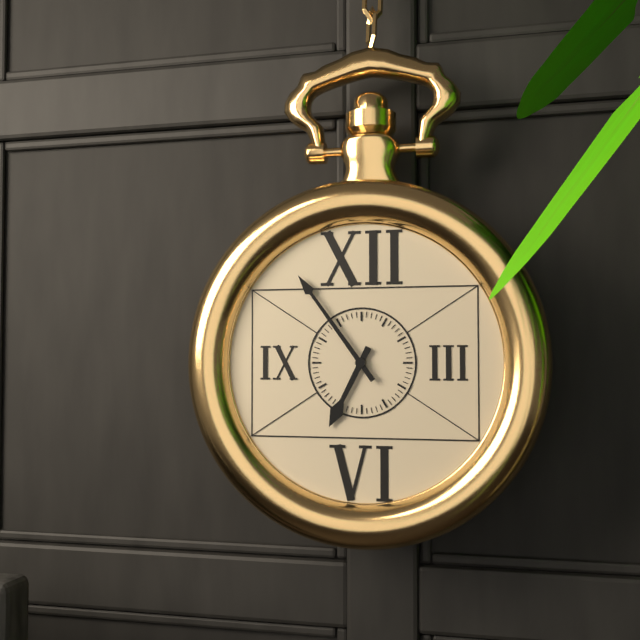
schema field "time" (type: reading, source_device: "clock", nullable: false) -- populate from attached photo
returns 6:54
